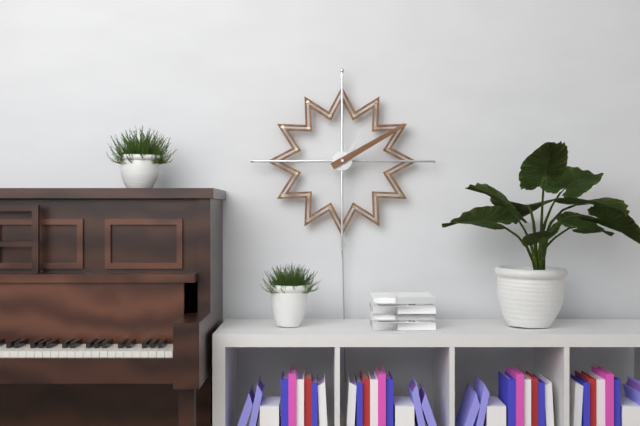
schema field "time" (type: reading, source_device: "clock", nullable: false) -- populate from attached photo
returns 1:10
